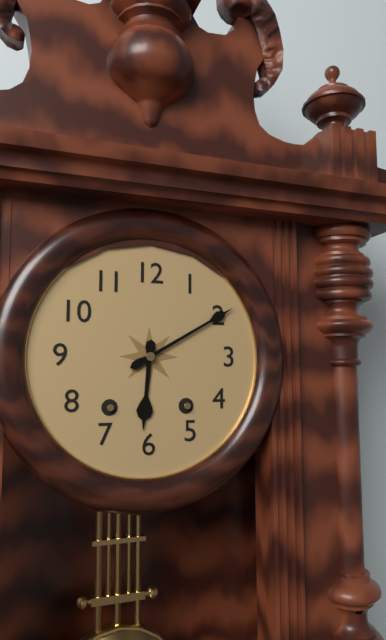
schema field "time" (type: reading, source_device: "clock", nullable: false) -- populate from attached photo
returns 6:10
